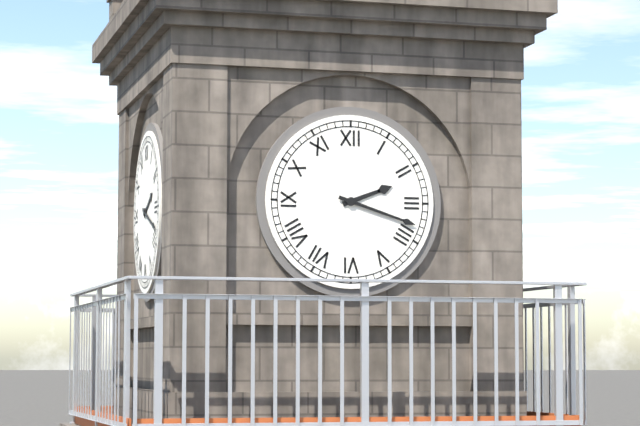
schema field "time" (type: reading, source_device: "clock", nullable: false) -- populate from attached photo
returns 2:18
